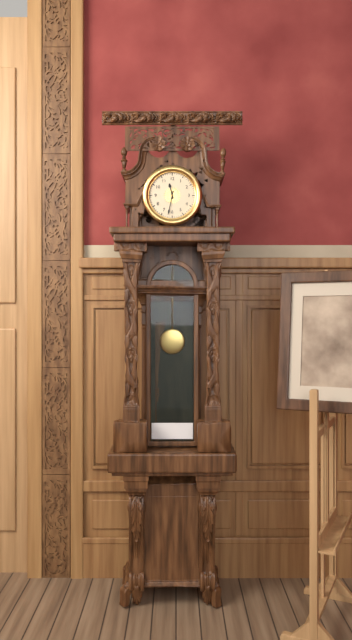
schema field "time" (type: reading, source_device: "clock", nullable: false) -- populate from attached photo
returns 11:32
